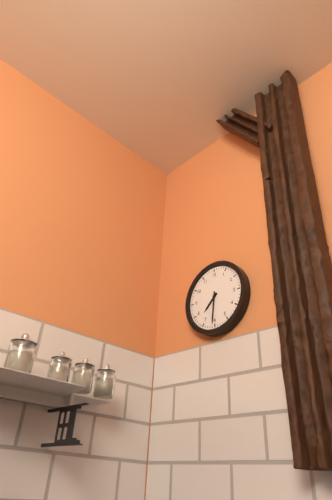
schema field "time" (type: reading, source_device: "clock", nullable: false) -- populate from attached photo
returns 7:31
